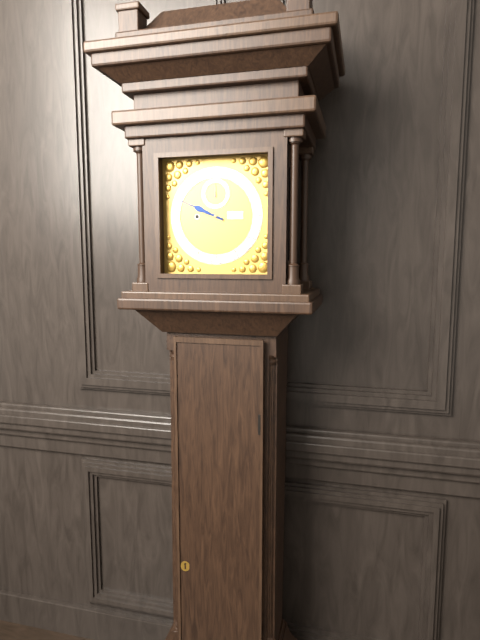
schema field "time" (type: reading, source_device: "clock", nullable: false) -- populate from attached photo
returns 9:49
